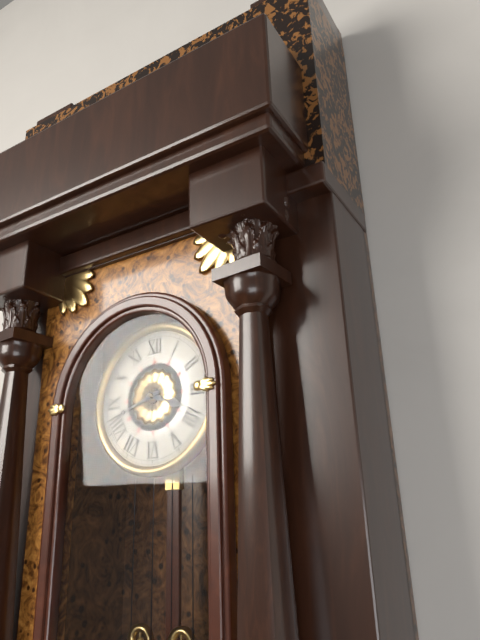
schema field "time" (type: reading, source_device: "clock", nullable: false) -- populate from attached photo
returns 3:42
